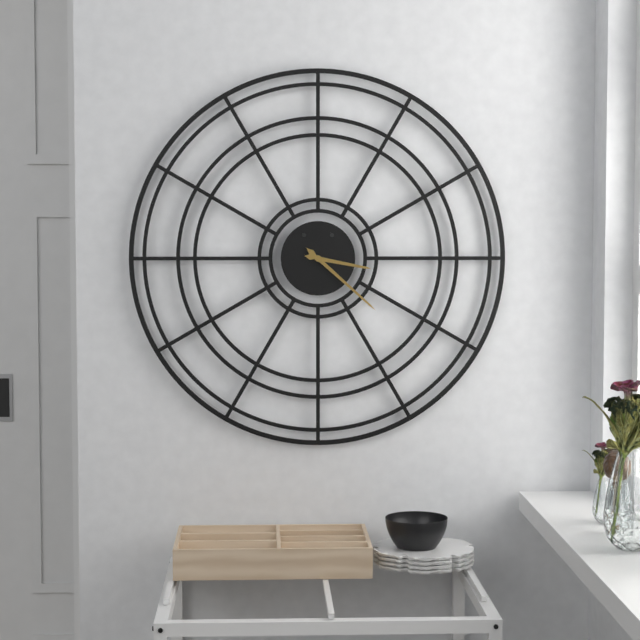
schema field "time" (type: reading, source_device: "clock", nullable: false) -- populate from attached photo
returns 3:22
